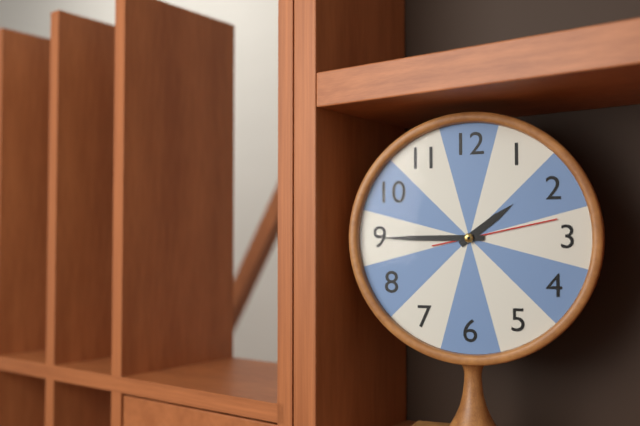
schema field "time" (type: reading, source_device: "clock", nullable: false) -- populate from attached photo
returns 1:45:13
